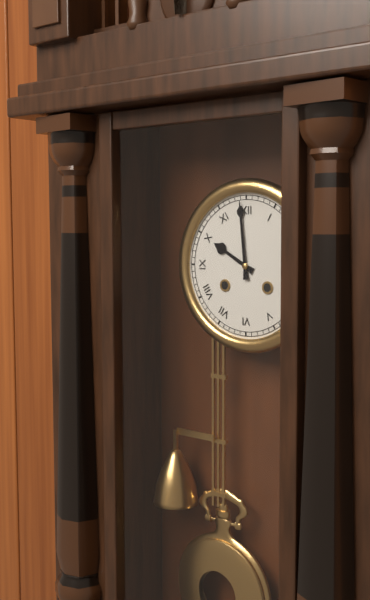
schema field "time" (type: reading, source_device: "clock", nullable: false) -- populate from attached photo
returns 9:59
